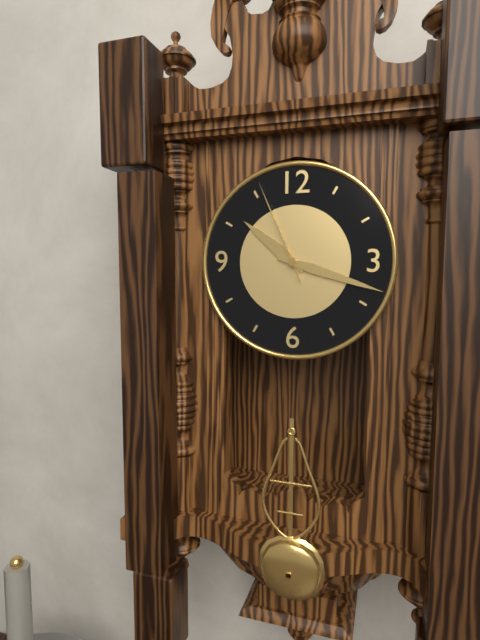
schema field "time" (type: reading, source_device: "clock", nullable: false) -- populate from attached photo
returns 10:18:56
